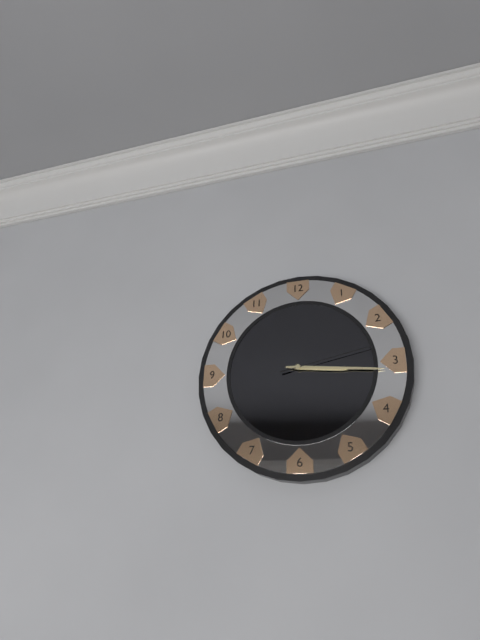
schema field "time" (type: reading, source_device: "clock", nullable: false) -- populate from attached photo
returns 3:16:13
